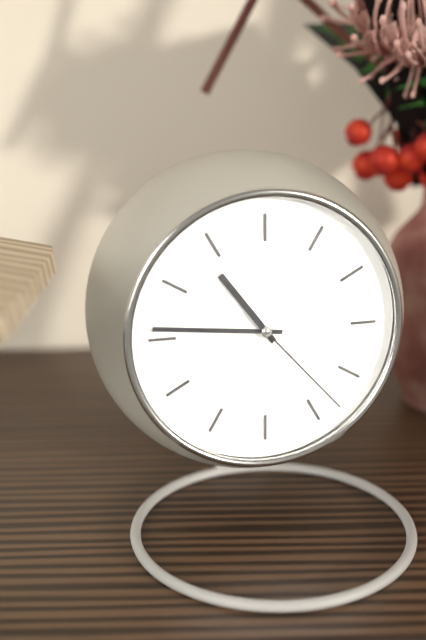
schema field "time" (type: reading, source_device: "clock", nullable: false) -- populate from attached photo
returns 10:46:23
